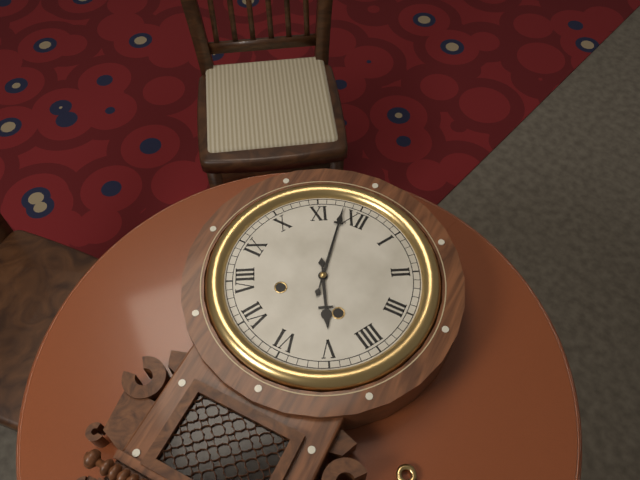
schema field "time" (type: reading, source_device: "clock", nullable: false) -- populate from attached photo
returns 4:58
